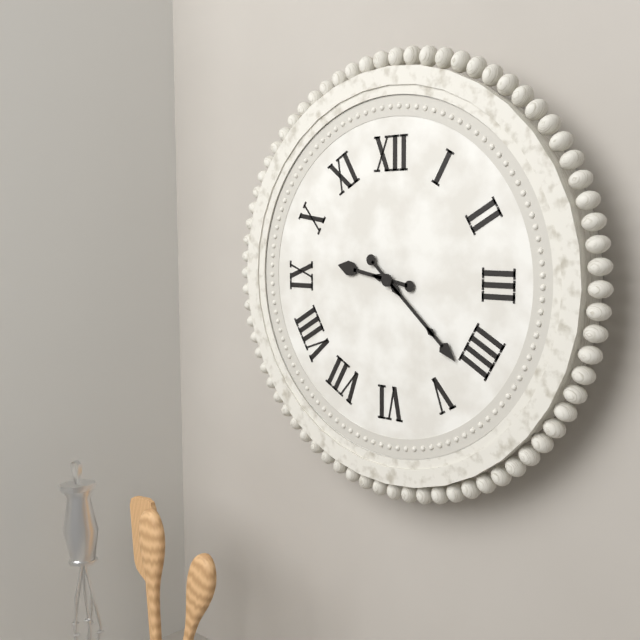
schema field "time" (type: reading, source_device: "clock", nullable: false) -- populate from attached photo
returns 9:22
